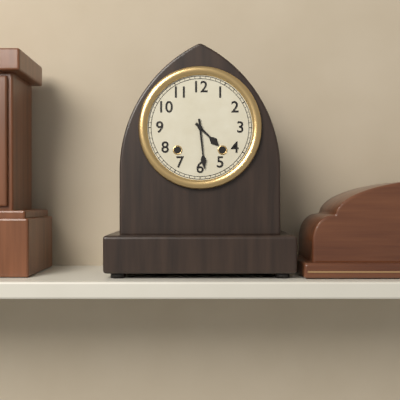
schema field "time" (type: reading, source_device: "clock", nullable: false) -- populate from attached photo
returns 4:29
